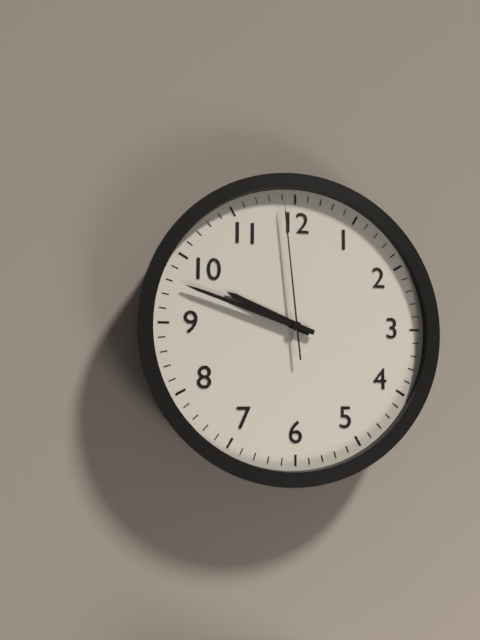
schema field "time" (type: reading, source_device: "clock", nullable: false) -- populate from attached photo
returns 9:48:59
